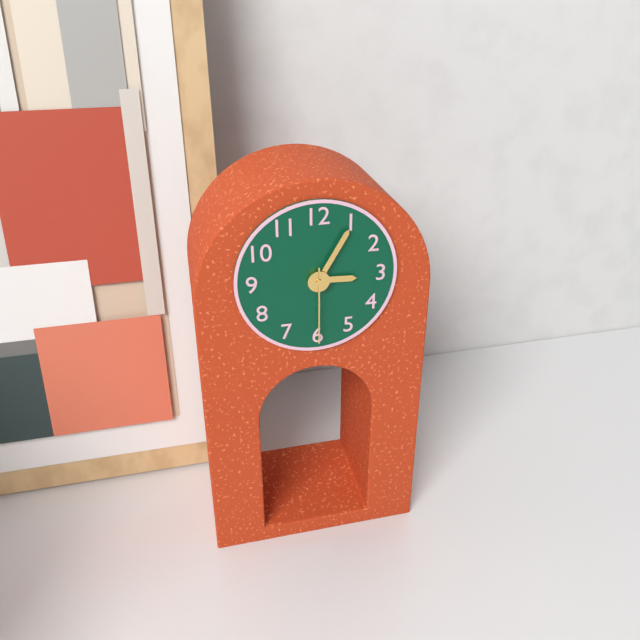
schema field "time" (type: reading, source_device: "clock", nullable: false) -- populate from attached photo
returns 3:05:30
